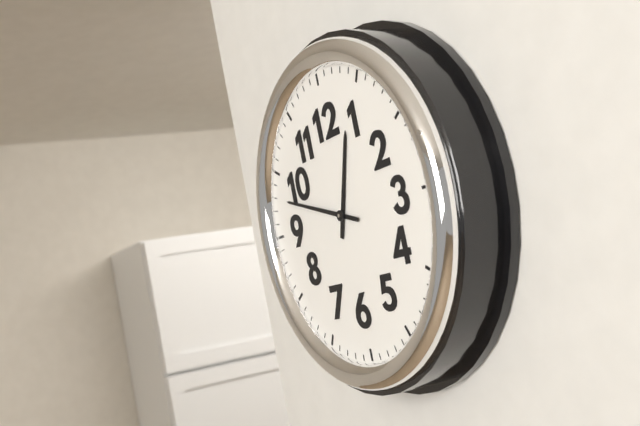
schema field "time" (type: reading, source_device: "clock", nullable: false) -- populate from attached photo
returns 12:48
